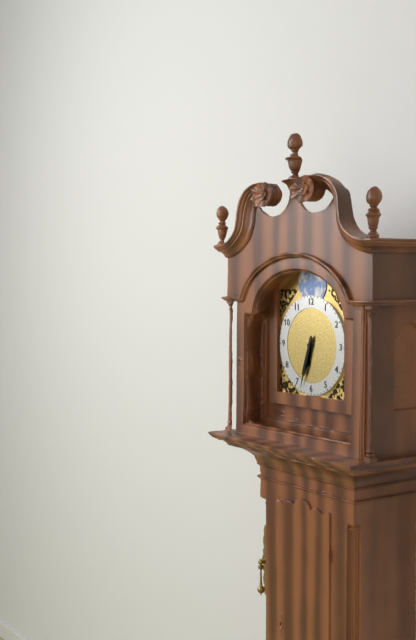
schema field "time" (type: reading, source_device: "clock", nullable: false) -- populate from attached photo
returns 6:33
